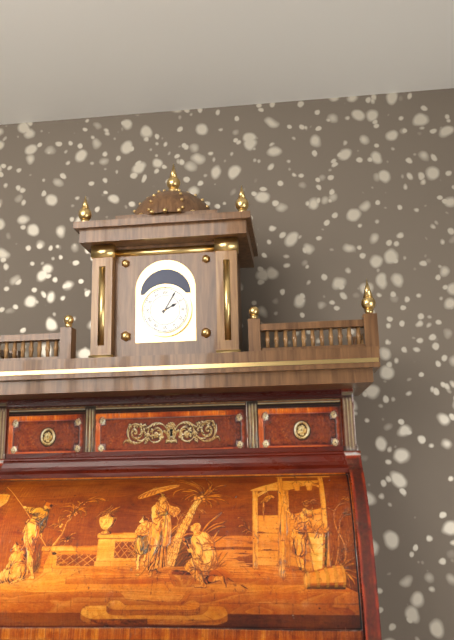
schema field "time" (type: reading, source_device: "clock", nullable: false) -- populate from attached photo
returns 2:05
